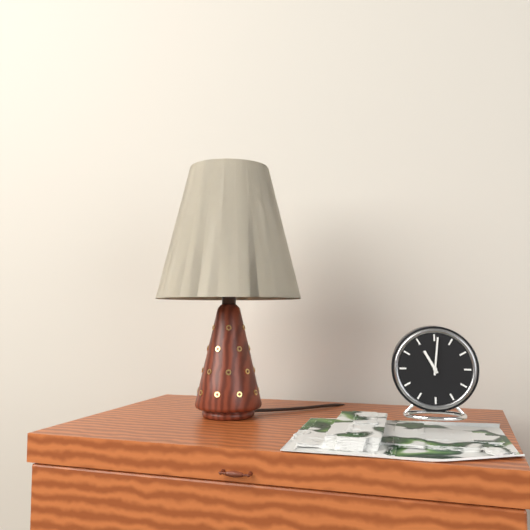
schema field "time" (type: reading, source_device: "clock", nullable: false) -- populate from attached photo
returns 11:01
